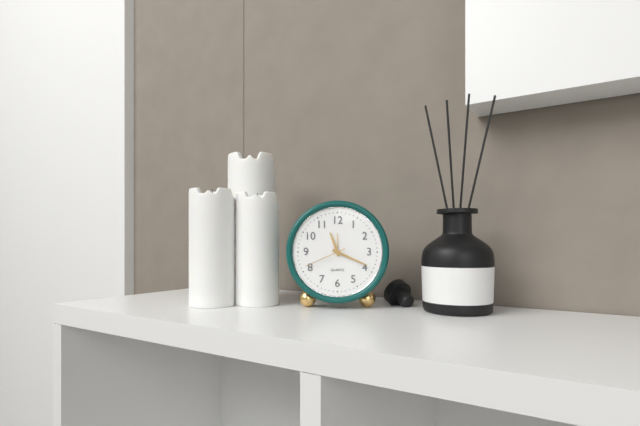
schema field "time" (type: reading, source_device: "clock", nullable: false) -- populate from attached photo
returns 11:19
